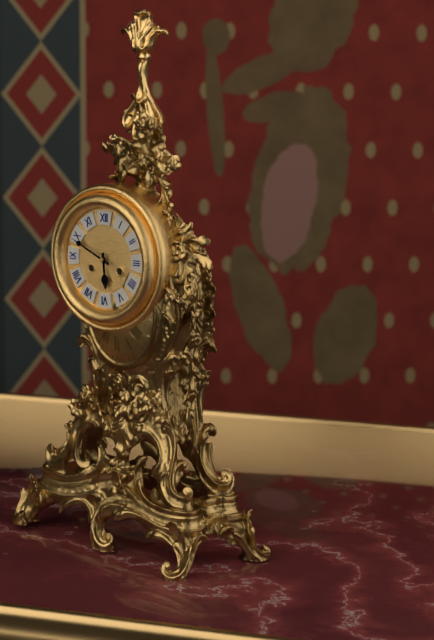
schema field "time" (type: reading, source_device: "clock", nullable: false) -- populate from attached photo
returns 5:49
